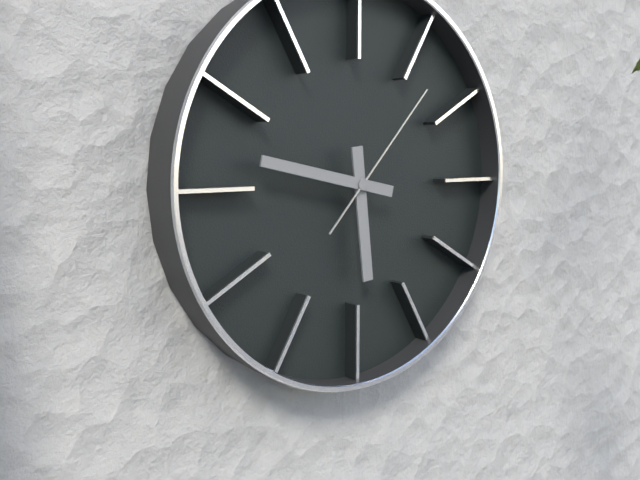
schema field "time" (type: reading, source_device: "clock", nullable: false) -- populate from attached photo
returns 5:47:07
